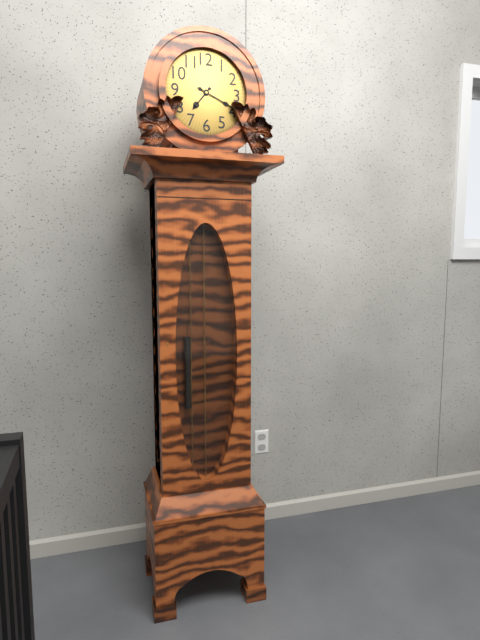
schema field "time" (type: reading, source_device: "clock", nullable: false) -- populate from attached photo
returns 7:19
